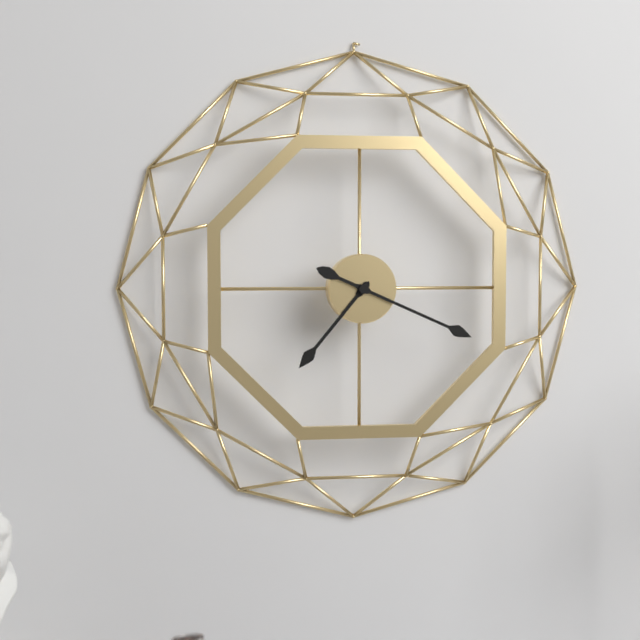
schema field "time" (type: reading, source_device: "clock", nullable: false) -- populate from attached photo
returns 7:19
